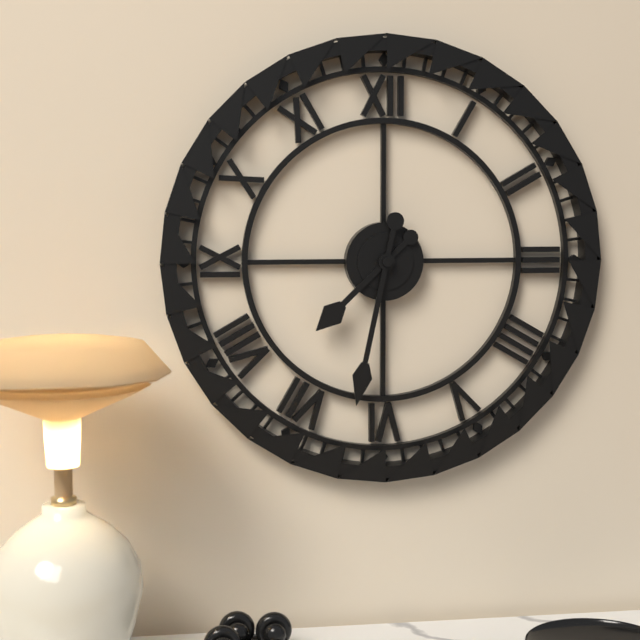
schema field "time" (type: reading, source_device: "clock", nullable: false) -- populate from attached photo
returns 7:32
